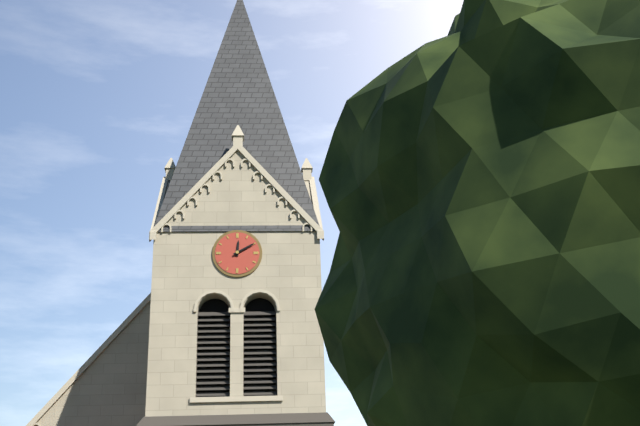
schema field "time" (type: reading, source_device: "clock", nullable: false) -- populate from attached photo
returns 12:10
